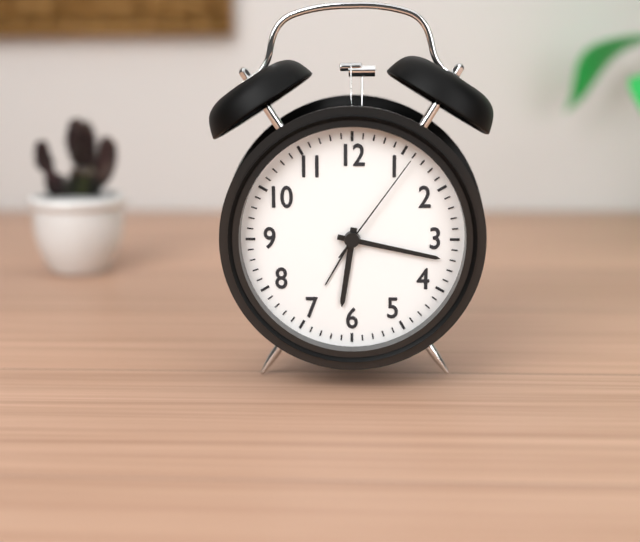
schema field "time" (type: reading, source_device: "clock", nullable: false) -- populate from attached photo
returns 6:17:06
